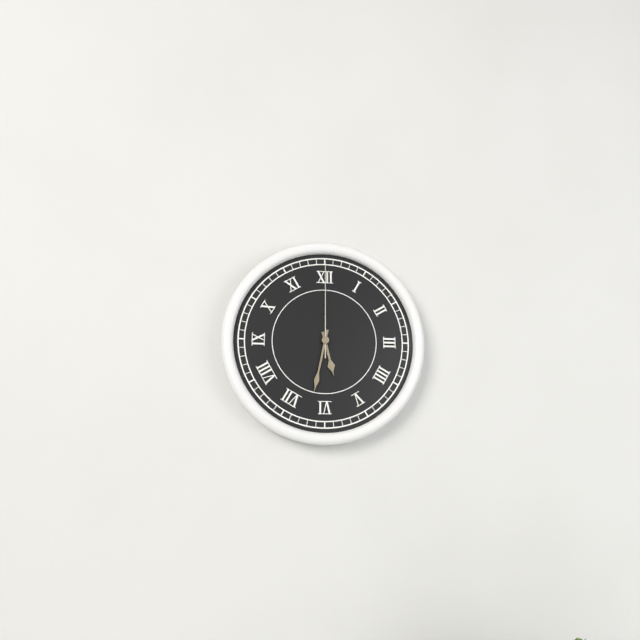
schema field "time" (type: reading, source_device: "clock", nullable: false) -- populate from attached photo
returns 5:32:00
